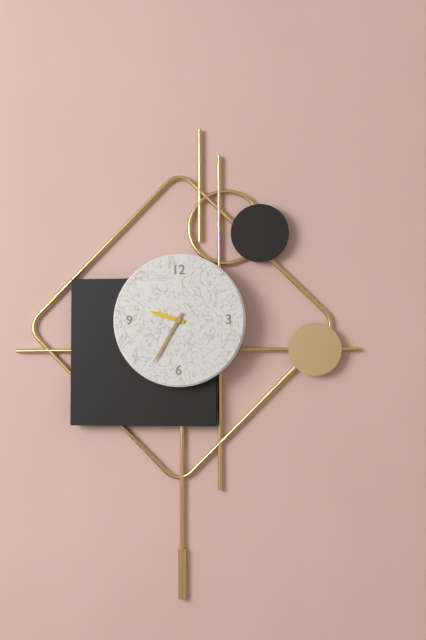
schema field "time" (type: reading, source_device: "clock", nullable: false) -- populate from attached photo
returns 9:35
